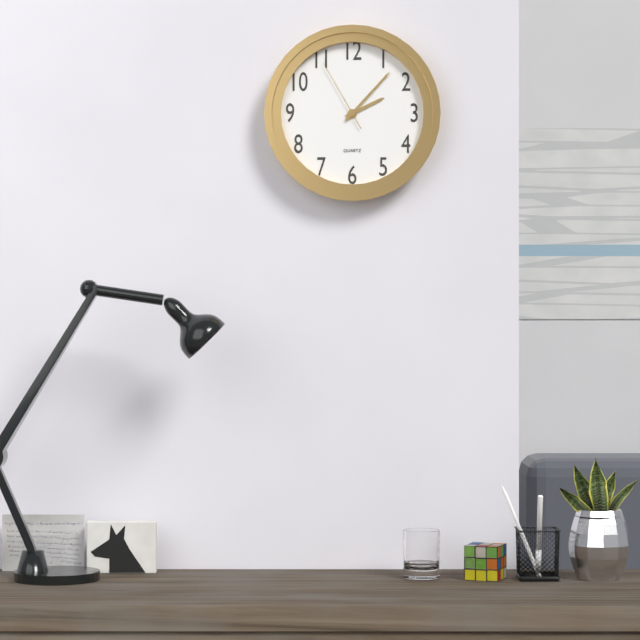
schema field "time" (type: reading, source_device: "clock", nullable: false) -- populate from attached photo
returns 2:07:55
